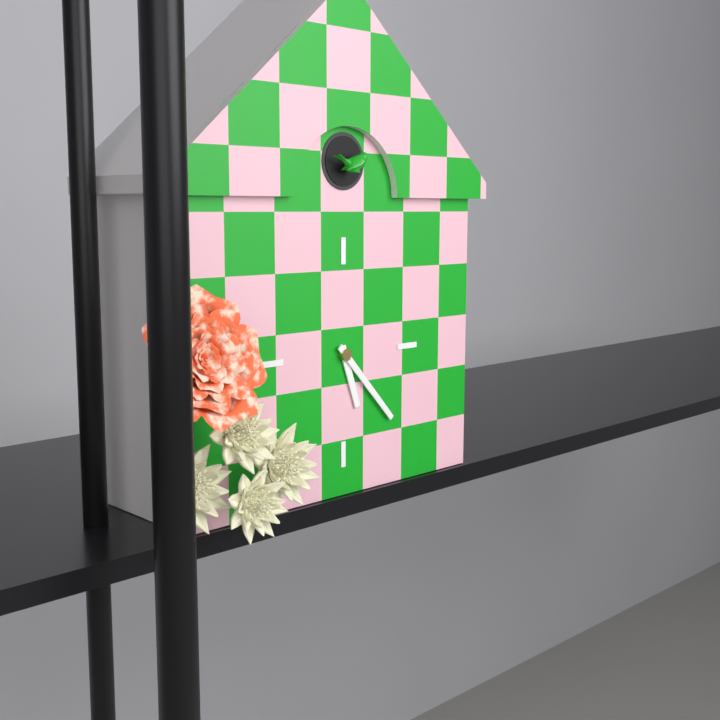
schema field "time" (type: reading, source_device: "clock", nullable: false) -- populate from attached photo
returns 5:23
